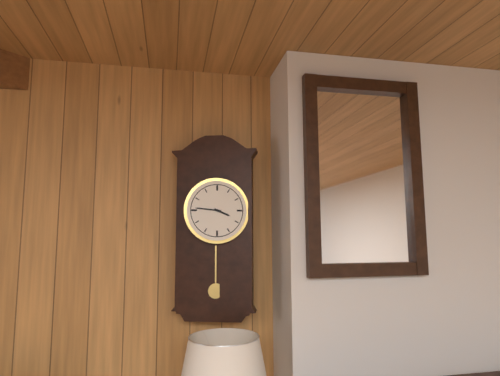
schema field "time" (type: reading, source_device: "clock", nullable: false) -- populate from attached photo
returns 3:46
